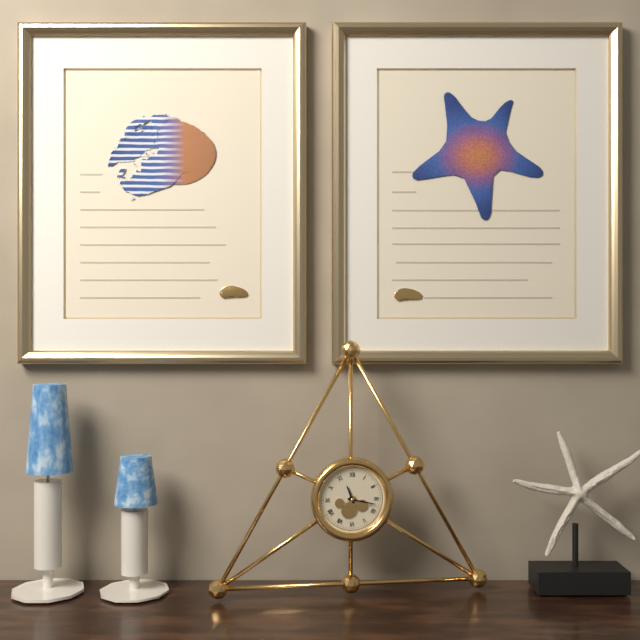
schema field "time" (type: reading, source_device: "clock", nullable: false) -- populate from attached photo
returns 11:17
